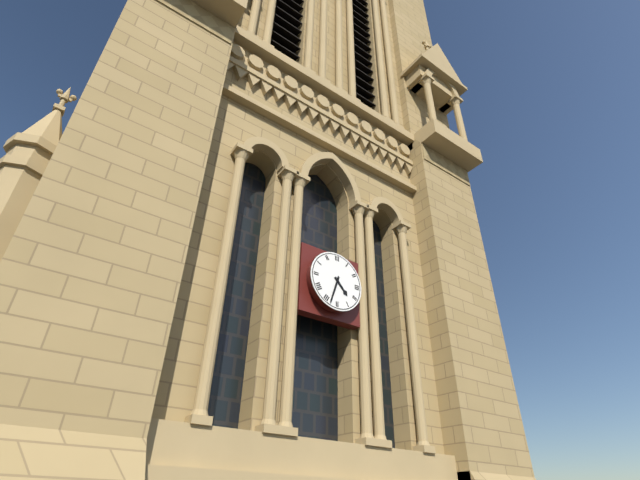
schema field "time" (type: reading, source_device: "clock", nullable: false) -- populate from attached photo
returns 4:33
